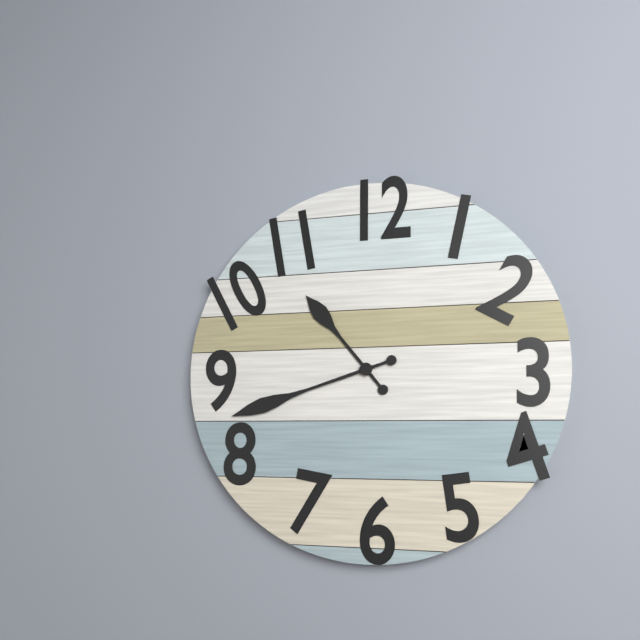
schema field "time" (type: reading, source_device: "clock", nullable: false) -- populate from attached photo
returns 10:42
